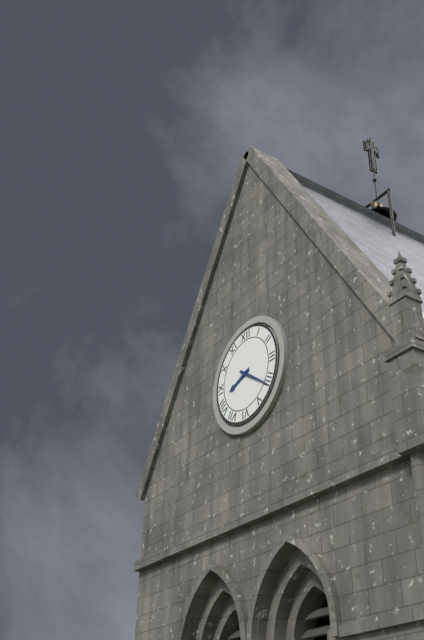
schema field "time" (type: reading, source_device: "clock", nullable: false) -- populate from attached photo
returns 8:21
